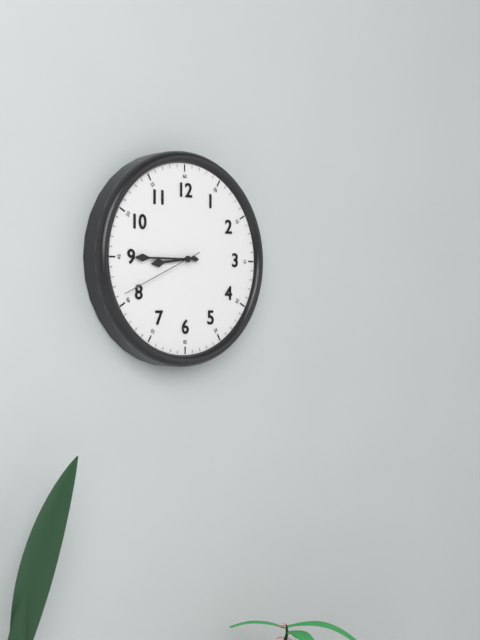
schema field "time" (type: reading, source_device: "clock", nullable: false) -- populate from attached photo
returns 8:45:41
